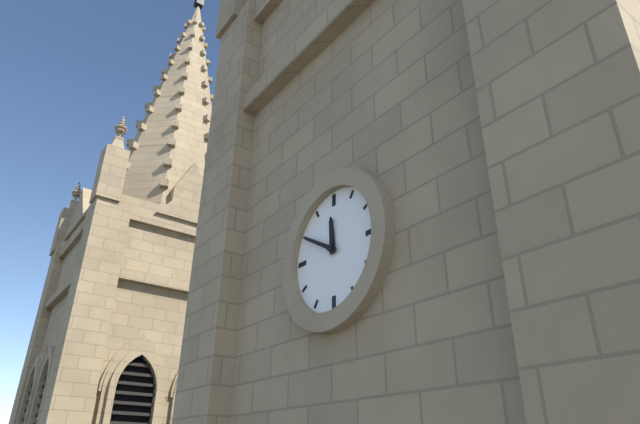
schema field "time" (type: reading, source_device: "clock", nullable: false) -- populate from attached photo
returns 11:50
